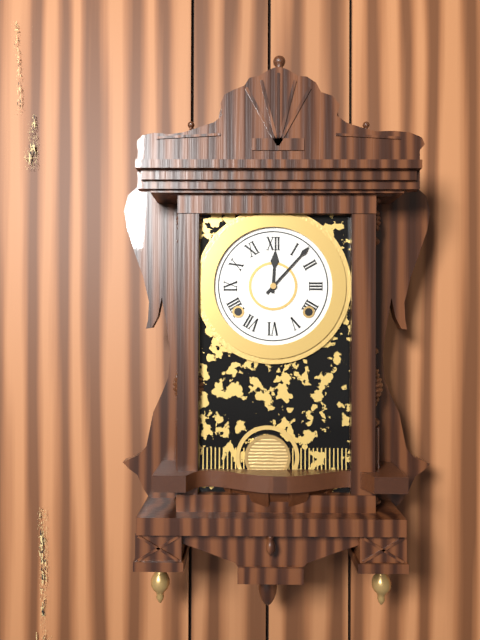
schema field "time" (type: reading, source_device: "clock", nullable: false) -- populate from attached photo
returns 12:07
